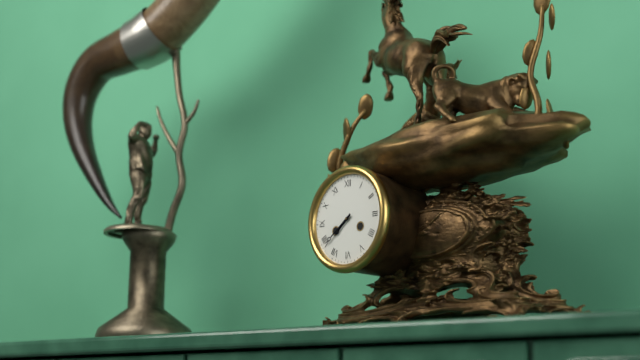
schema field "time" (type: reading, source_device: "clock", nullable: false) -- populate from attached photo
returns 7:39
